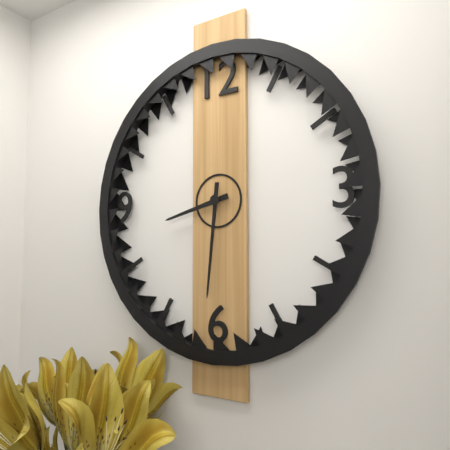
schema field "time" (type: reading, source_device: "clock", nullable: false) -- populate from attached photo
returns 8:31
